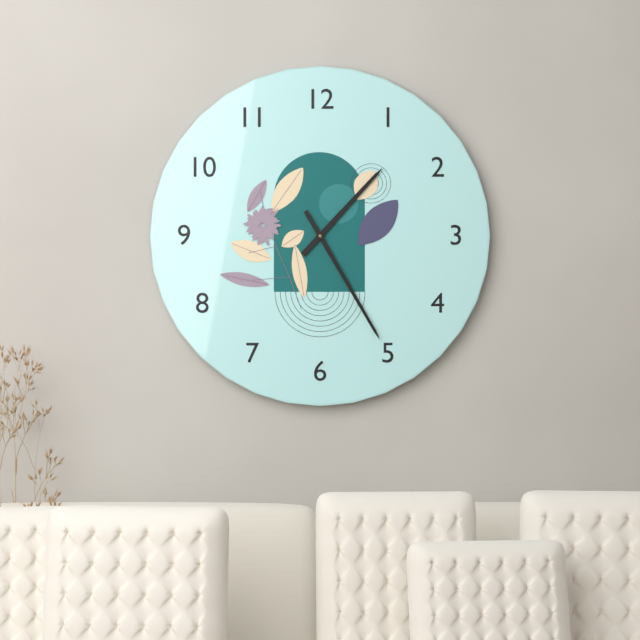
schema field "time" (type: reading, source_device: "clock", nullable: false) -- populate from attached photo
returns 1:25
